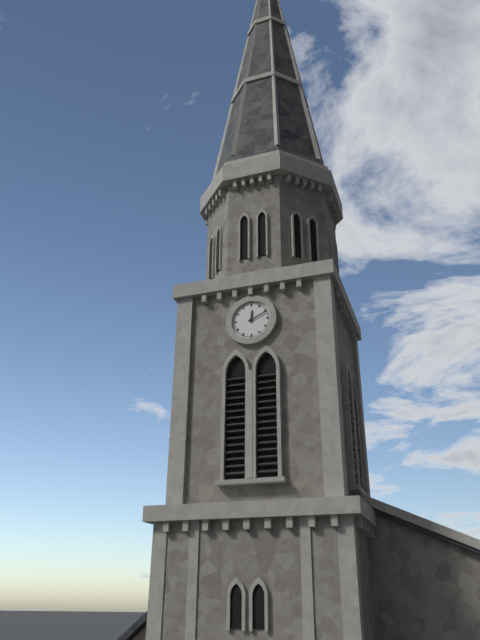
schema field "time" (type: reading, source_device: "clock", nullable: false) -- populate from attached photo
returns 12:11
